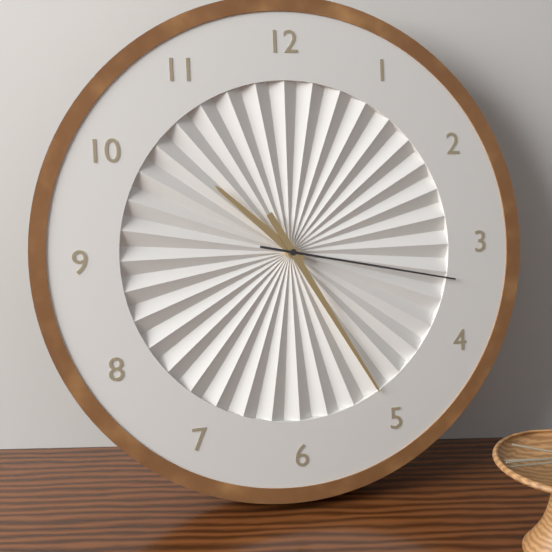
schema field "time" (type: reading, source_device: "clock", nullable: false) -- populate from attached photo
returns 10:25:17
